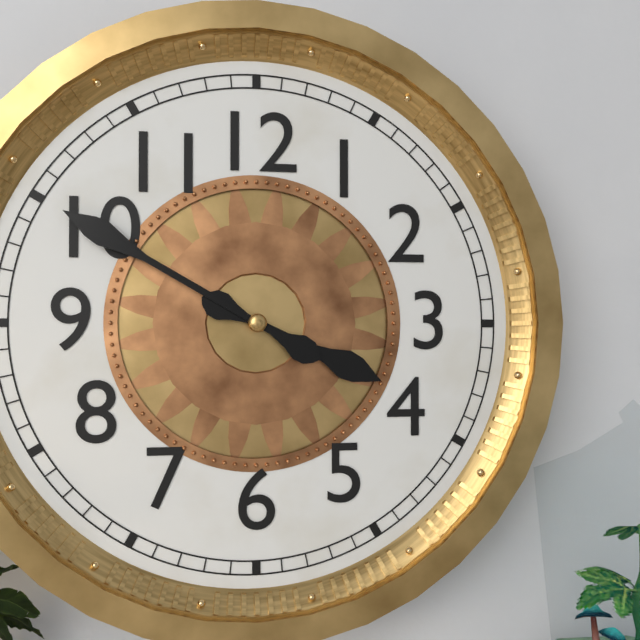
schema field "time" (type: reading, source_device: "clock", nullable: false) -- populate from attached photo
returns 3:50
